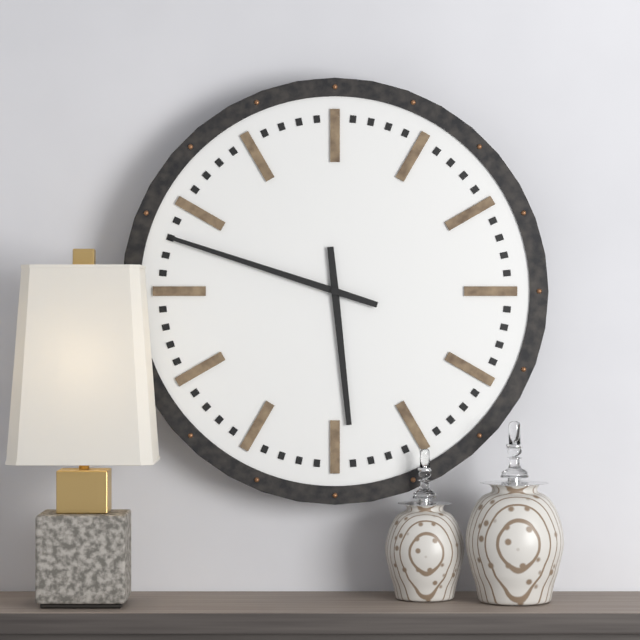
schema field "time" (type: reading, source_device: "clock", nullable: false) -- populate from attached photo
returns 5:48
